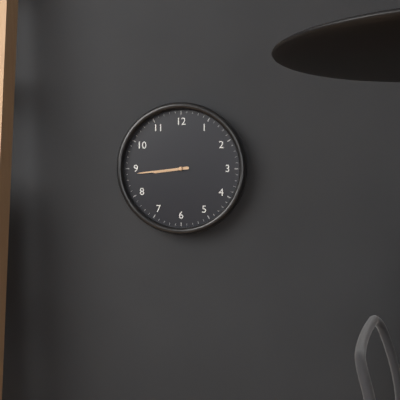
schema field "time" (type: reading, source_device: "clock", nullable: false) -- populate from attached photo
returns 8:44
